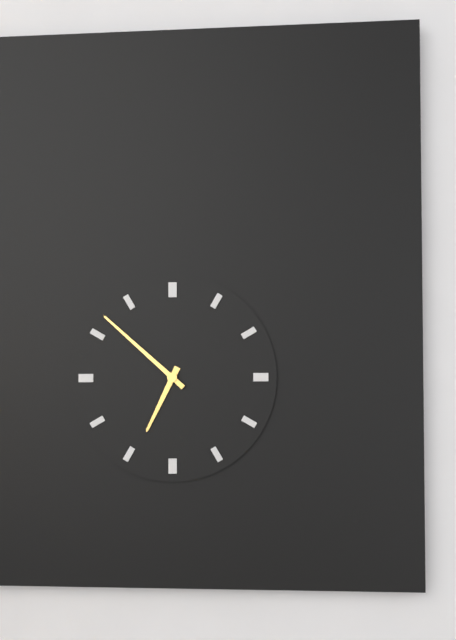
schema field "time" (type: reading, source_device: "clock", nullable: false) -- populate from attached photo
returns 6:52
